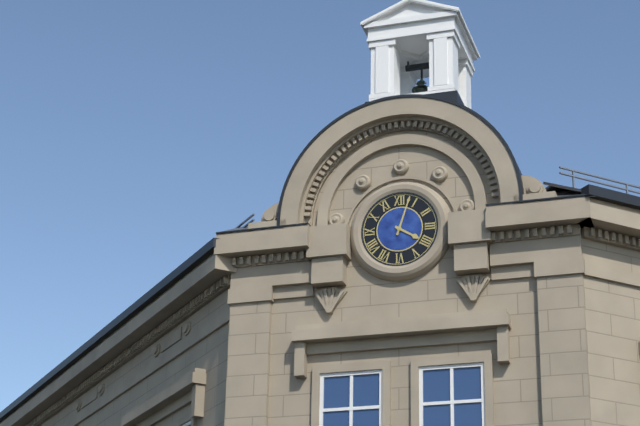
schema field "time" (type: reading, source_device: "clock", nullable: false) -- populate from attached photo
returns 4:03
